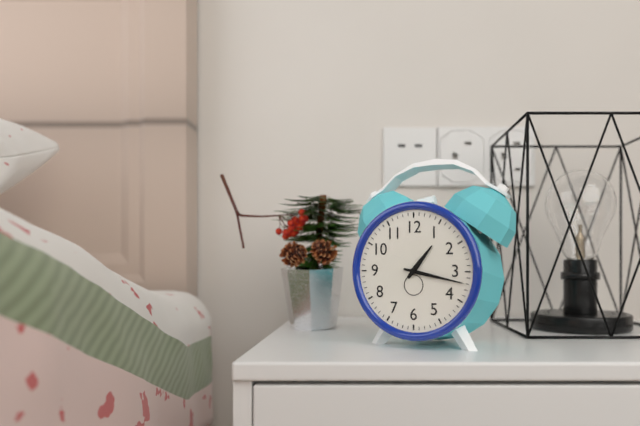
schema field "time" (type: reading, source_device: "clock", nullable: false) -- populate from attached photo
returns 1:17
